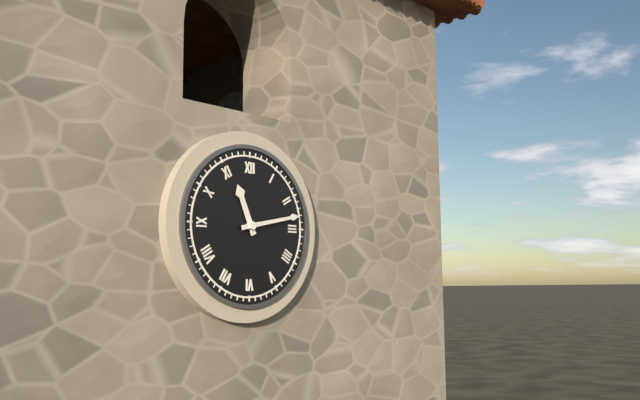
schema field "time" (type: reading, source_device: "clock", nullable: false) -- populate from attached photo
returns 11:13
